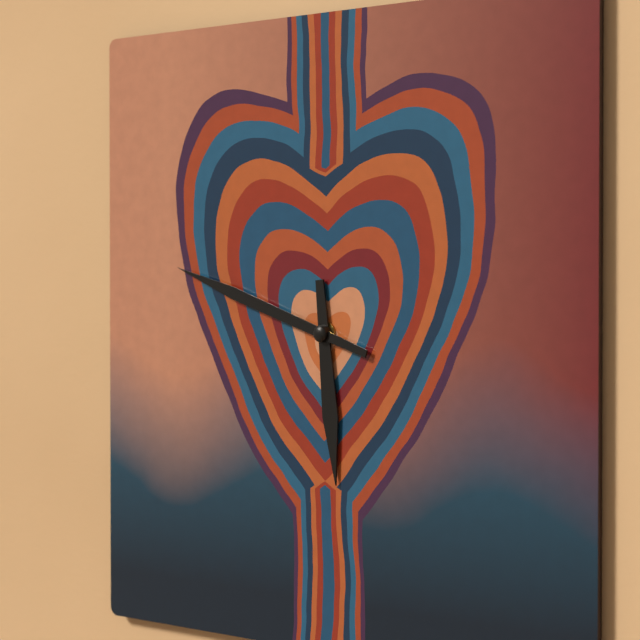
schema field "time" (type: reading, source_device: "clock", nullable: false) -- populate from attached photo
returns 5:48
